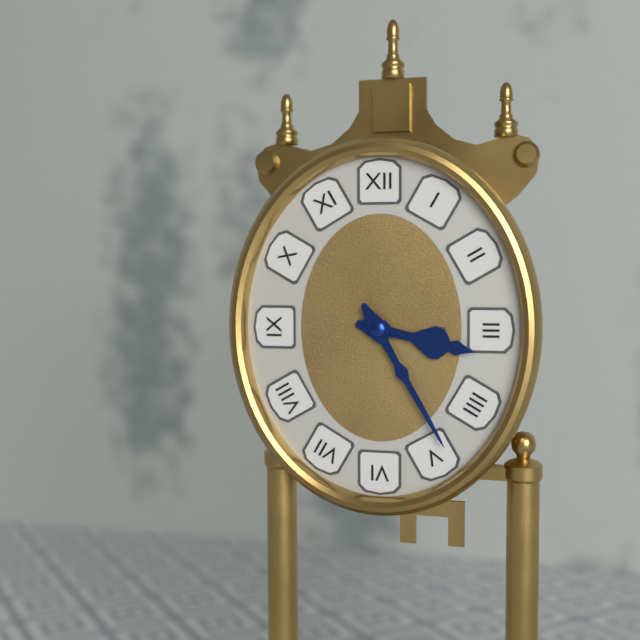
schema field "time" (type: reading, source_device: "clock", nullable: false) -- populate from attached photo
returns 3:25
